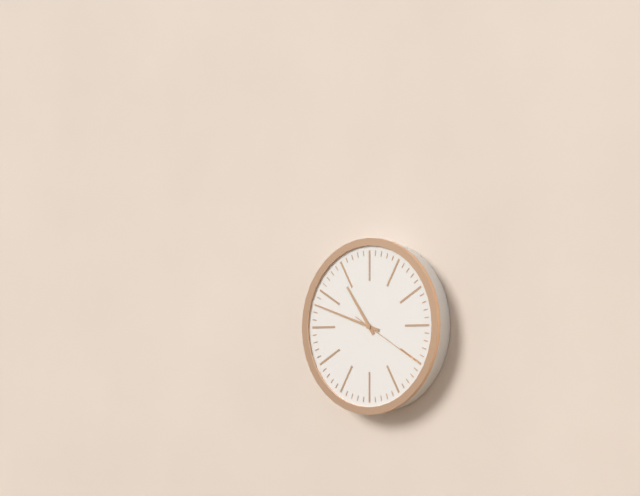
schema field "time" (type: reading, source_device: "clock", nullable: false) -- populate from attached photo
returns 10:48:20
